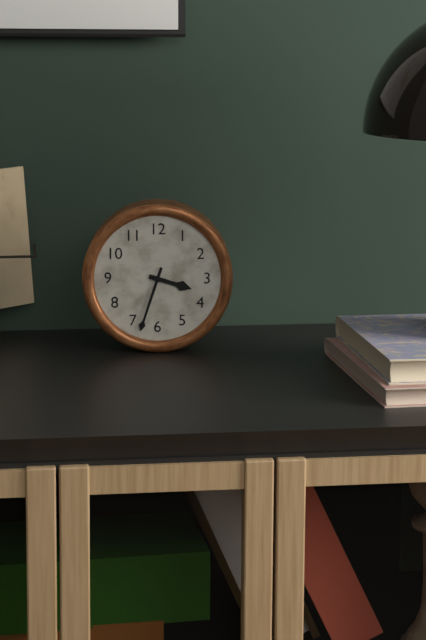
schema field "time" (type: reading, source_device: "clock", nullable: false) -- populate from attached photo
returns 3:33
